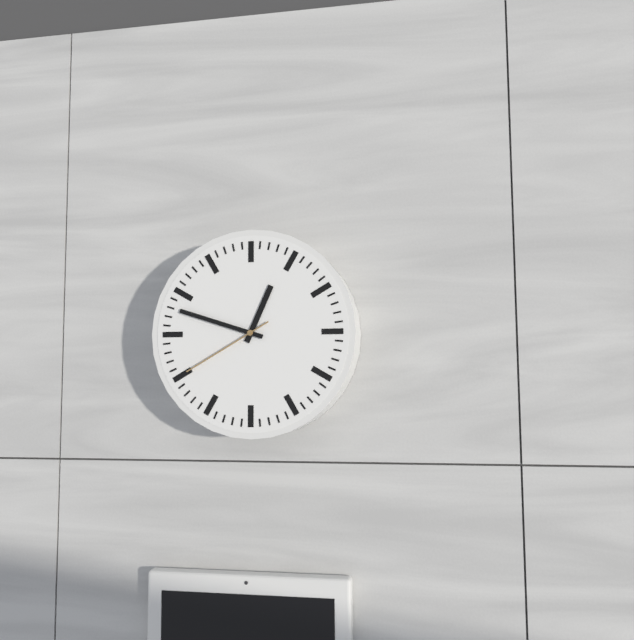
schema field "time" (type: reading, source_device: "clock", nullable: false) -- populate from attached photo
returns 12:48:40
